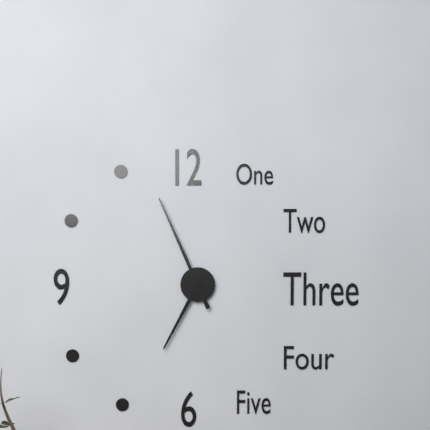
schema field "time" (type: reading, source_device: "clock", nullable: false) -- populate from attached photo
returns 6:56
